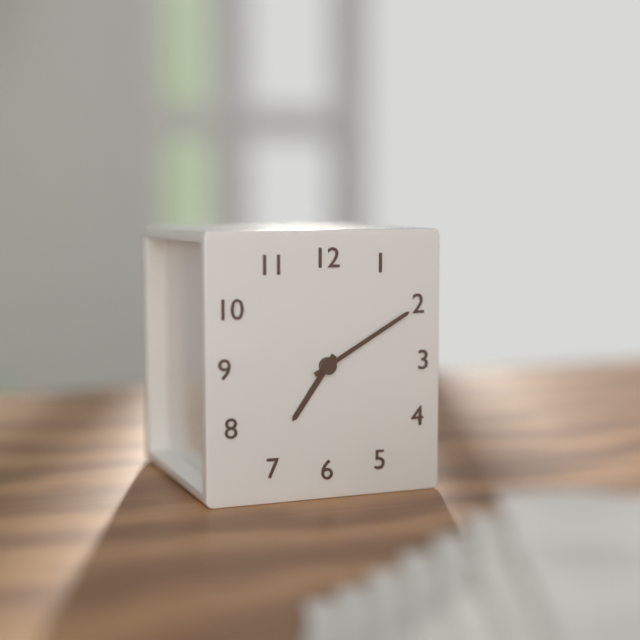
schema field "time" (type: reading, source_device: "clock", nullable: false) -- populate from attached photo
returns 7:10
